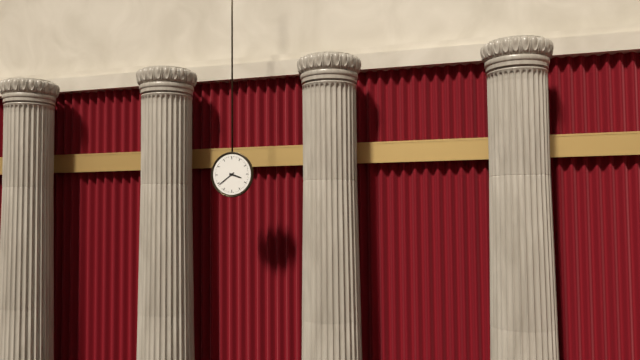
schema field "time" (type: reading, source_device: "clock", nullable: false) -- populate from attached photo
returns 3:39
